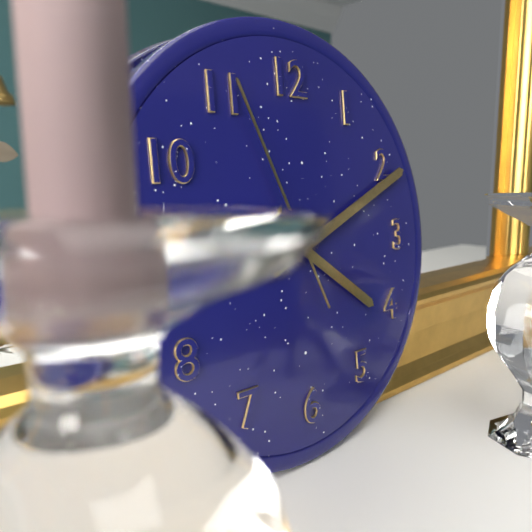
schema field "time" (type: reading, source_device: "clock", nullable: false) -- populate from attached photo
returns 4:11:56
